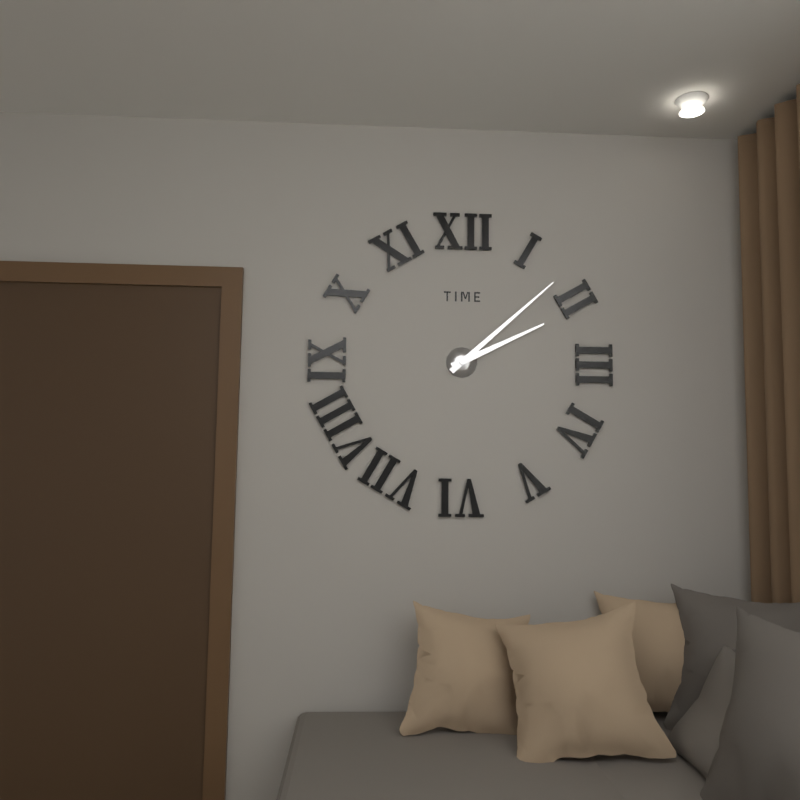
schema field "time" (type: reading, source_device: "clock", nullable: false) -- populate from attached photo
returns 2:08
